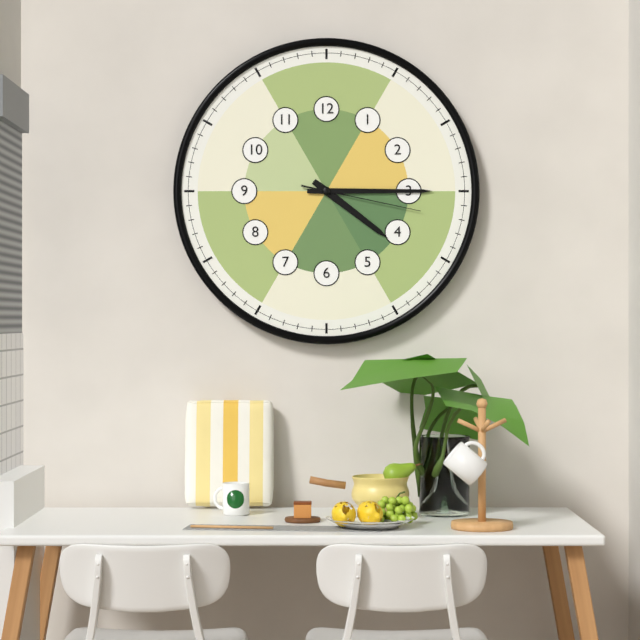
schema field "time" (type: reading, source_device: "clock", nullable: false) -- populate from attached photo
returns 4:15:17
